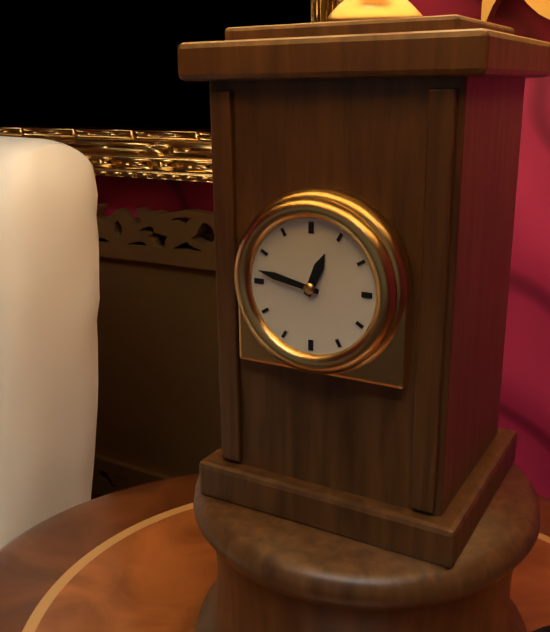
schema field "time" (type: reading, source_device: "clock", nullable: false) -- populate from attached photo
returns 12:47
